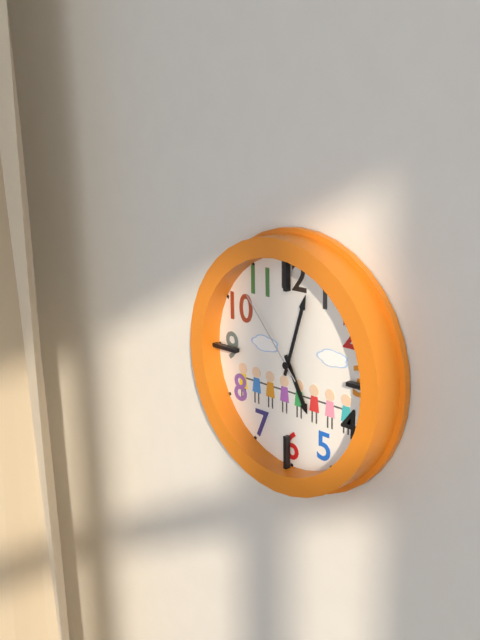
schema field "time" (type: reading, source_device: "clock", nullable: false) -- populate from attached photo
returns 5:03:53
